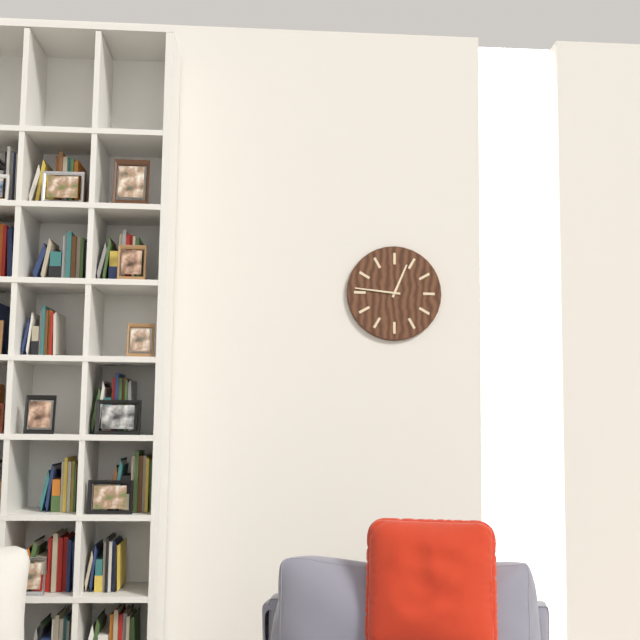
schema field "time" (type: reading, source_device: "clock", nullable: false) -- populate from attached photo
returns 12:46
